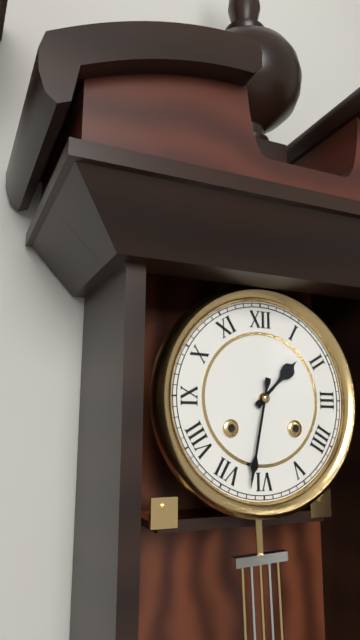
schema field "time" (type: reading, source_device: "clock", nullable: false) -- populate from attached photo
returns 1:32
